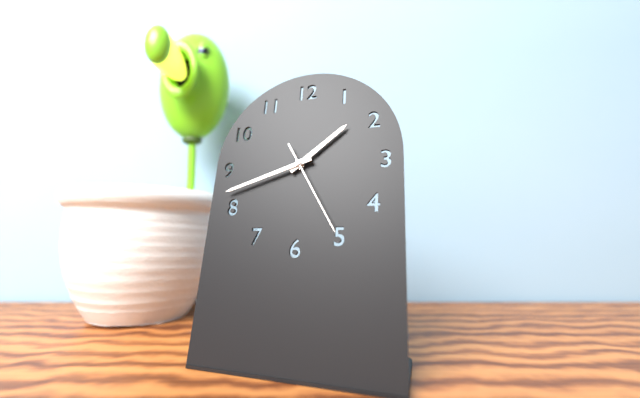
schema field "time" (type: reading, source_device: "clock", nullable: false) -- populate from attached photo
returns 1:42:25
